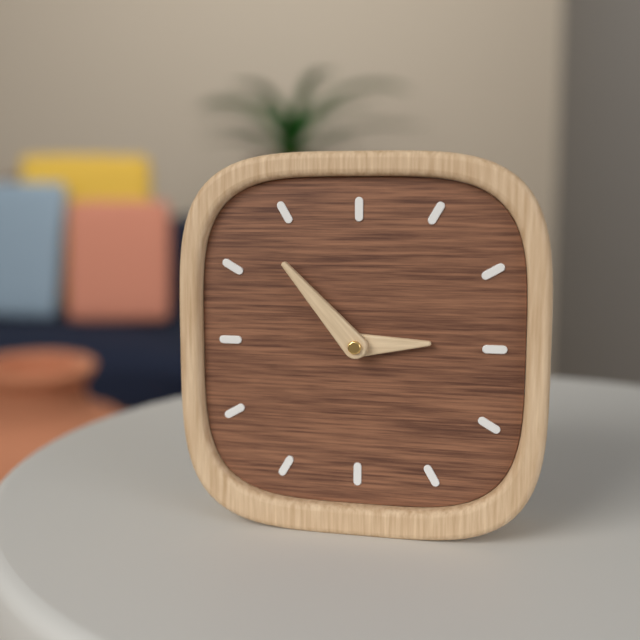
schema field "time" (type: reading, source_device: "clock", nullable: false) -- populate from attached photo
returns 2:53
